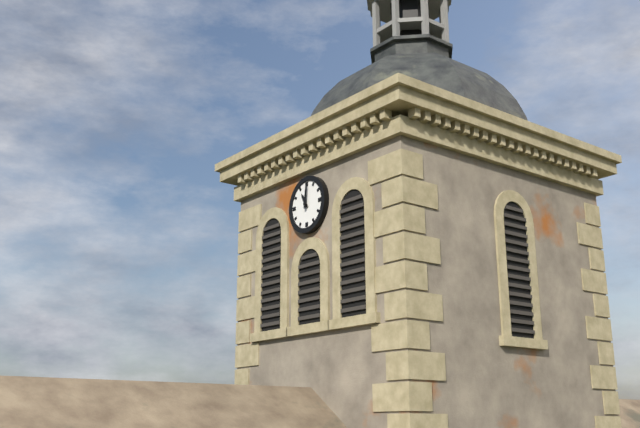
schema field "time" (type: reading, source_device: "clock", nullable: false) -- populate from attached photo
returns 11:01
